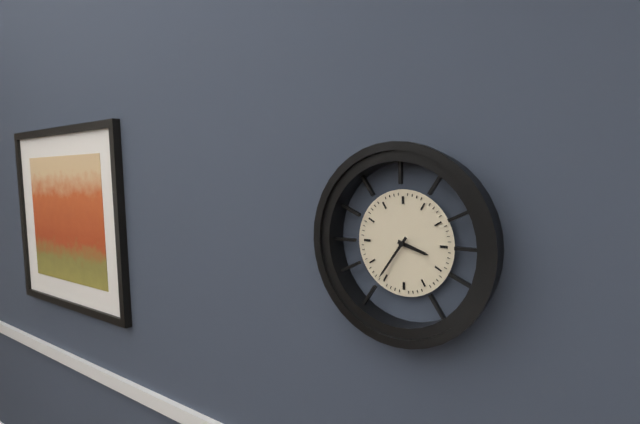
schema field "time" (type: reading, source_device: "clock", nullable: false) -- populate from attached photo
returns 3:36
